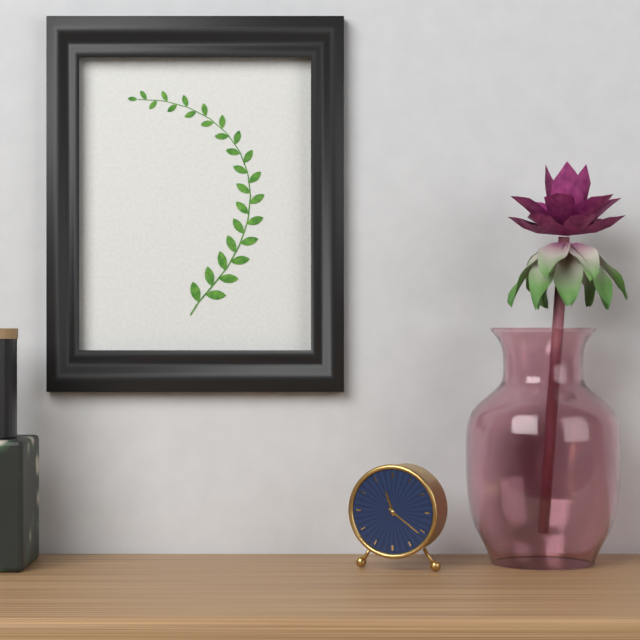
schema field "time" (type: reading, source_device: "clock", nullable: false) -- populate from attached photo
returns 11:21
